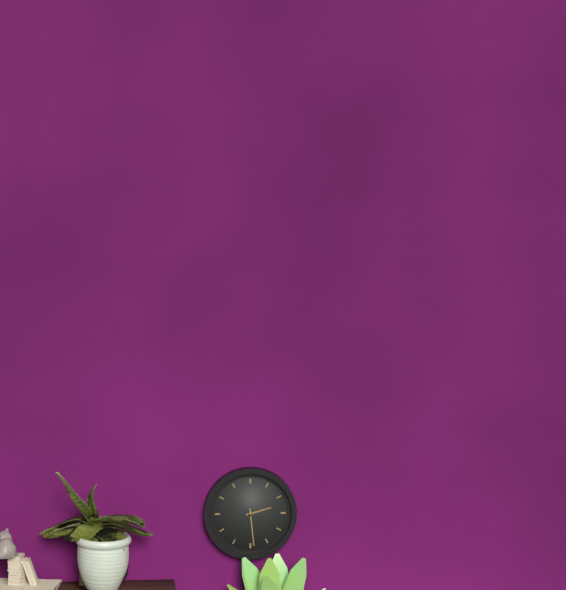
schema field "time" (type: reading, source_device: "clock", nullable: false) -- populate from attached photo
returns 2:29
